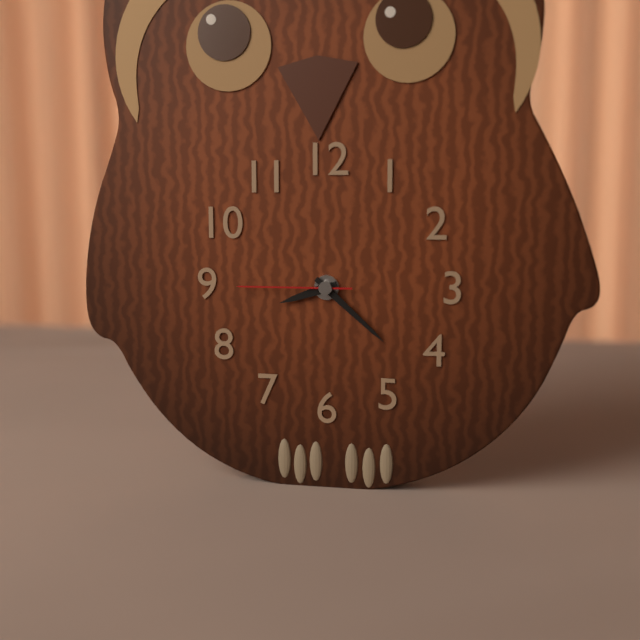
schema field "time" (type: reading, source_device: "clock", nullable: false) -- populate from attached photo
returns 8:22:45
